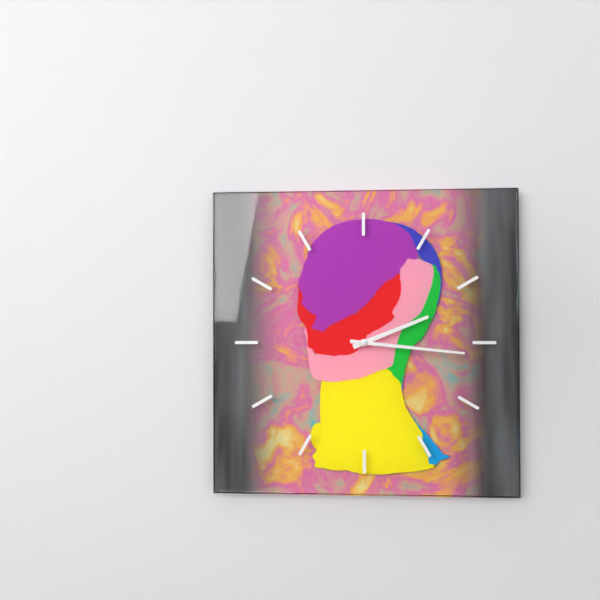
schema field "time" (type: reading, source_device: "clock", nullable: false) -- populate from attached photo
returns 2:16
